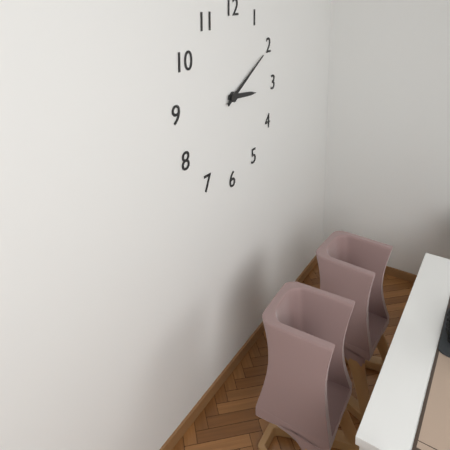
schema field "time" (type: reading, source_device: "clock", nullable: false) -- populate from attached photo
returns 3:10
